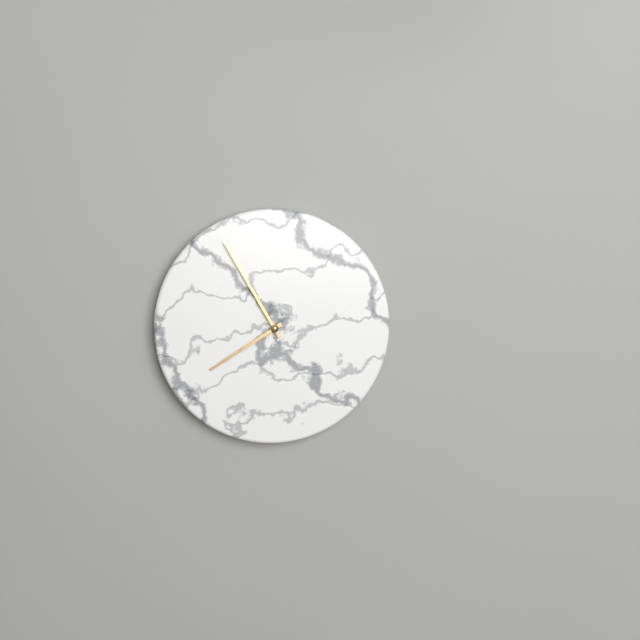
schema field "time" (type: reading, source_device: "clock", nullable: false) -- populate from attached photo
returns 7:55
